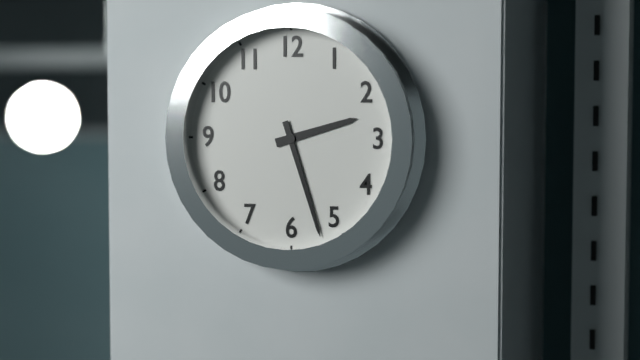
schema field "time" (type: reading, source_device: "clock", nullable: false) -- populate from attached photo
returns 2:27
